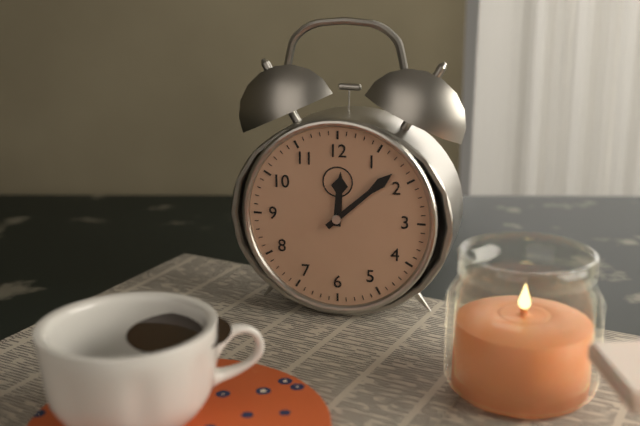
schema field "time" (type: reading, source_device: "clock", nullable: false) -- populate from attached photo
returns 12:08
